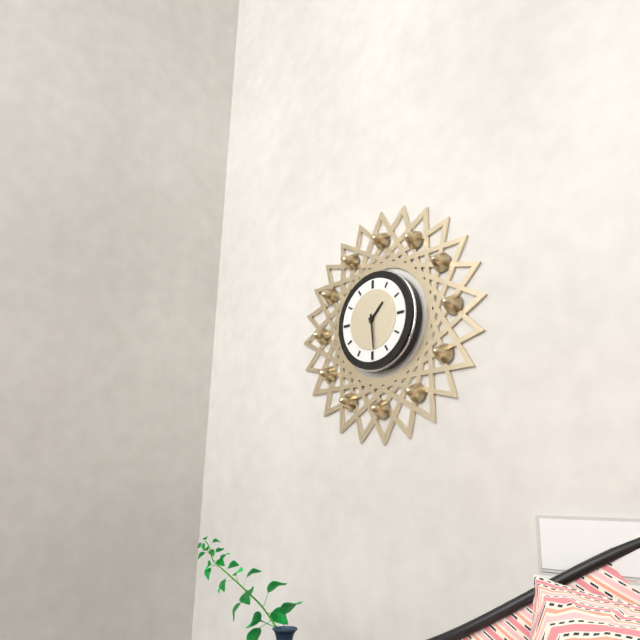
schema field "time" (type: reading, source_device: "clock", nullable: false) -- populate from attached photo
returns 1:29
